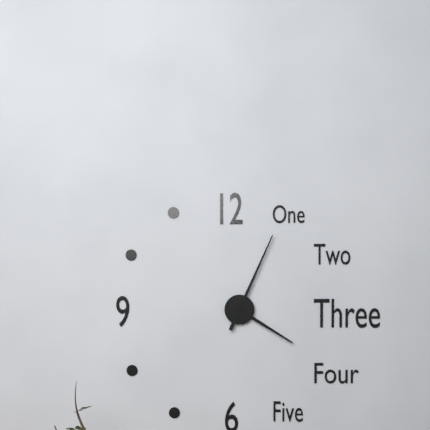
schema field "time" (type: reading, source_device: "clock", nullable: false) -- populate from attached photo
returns 4:04
